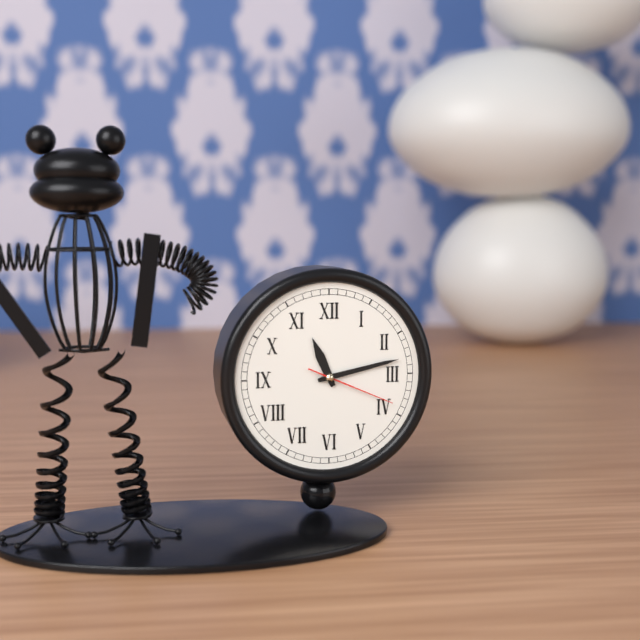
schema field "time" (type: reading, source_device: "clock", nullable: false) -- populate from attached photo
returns 11:13:19
